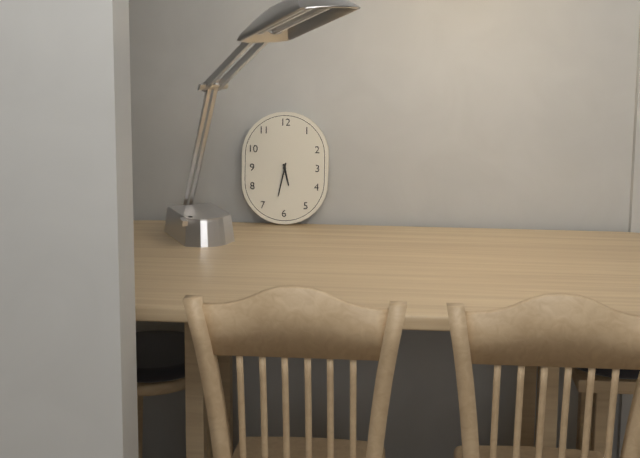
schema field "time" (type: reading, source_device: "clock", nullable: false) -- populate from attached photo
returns 5:32
